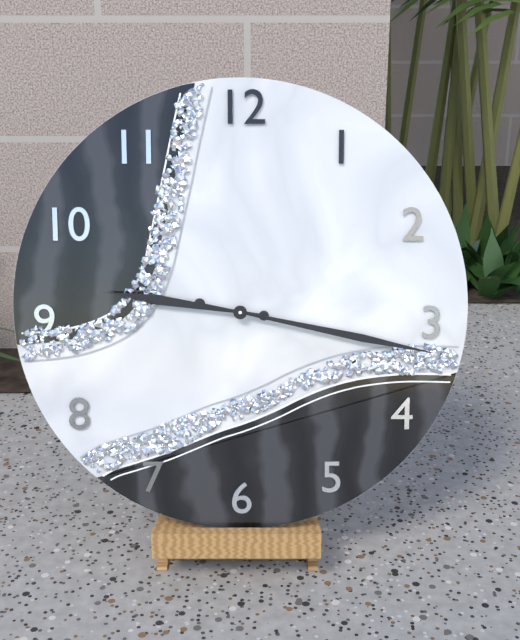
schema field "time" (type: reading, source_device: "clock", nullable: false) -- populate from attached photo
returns 9:17
